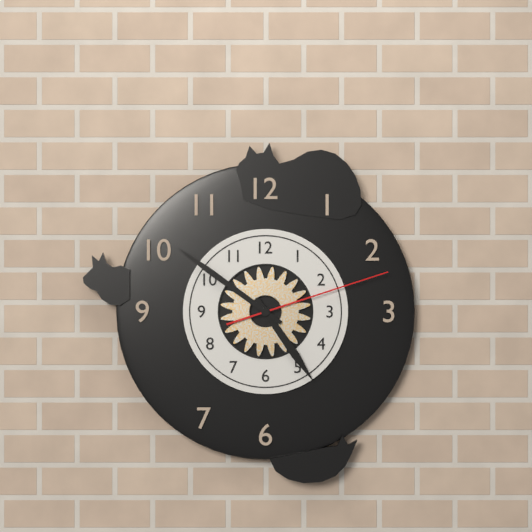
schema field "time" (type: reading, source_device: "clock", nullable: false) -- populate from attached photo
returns 4:51:12
